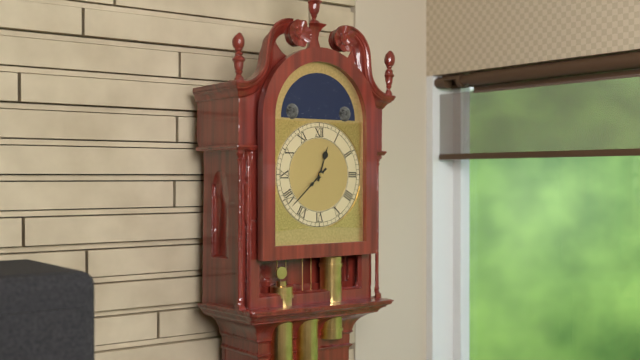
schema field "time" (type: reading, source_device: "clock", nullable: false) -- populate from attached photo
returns 12:38
